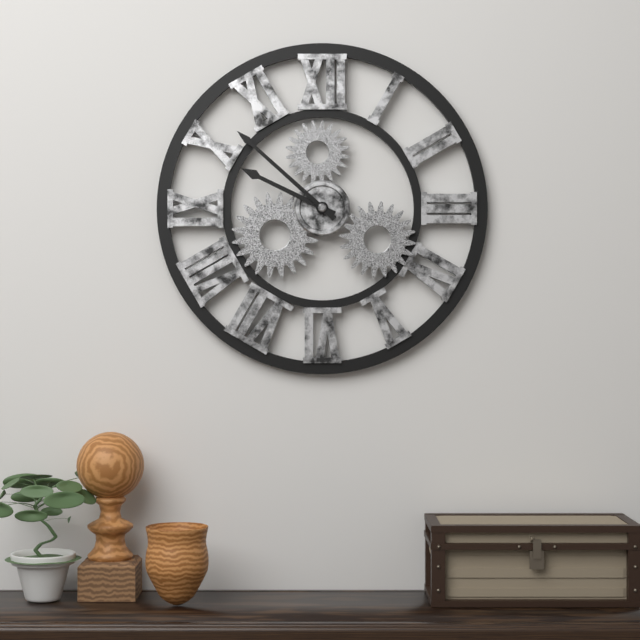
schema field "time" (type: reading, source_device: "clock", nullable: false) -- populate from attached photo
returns 9:52
